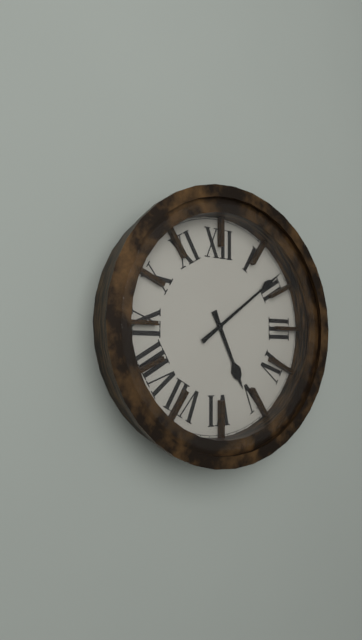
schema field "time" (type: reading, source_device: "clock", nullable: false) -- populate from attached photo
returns 5:09
